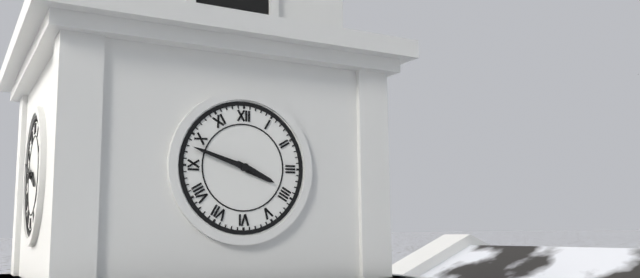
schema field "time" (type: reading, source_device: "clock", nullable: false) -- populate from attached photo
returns 3:48
